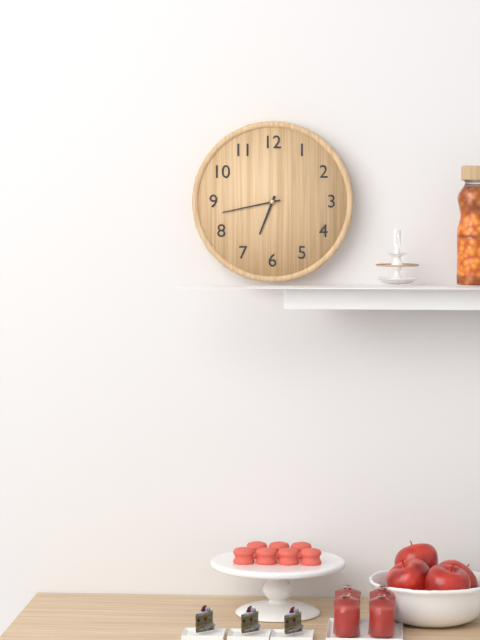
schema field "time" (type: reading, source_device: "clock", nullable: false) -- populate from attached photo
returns 6:43
